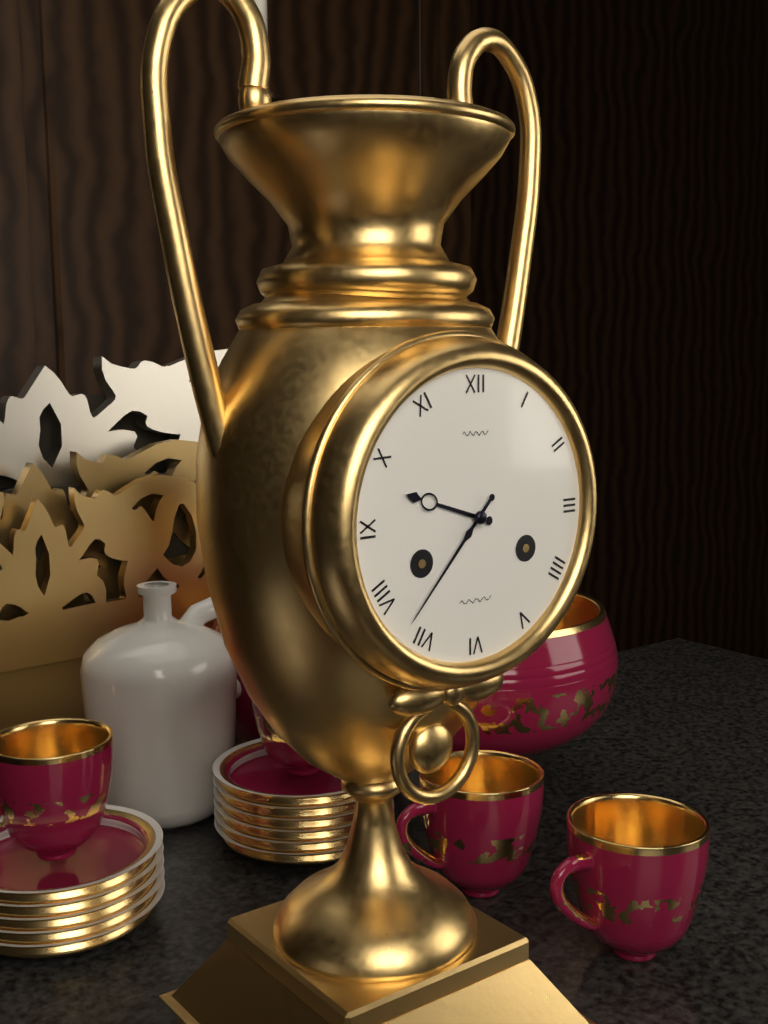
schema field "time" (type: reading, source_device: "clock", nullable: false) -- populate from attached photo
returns 9:37
